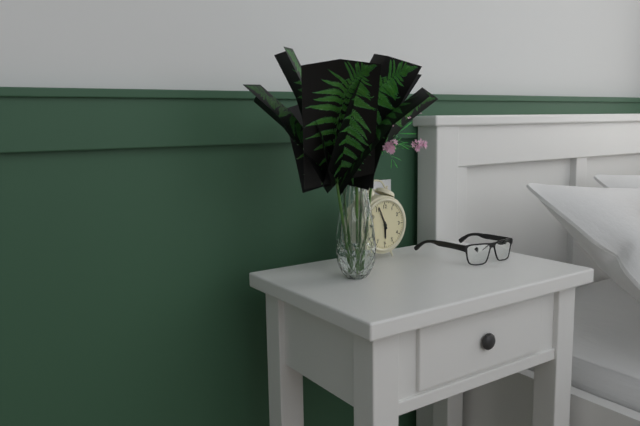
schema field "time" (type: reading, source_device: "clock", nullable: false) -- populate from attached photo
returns 5:56
